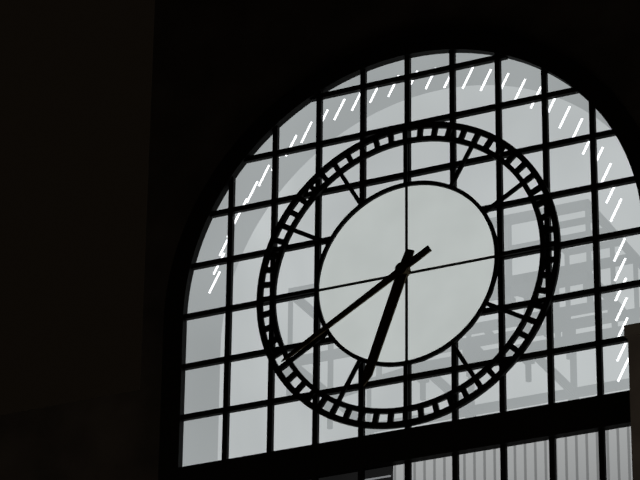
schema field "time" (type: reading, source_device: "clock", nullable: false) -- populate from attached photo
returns 6:40
